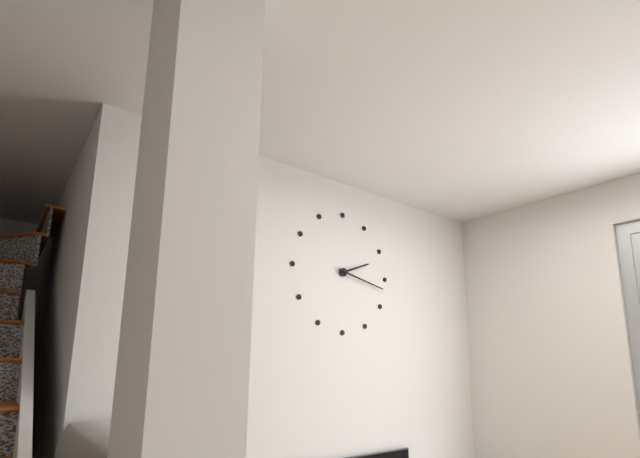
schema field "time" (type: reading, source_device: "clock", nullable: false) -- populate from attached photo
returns 2:17
